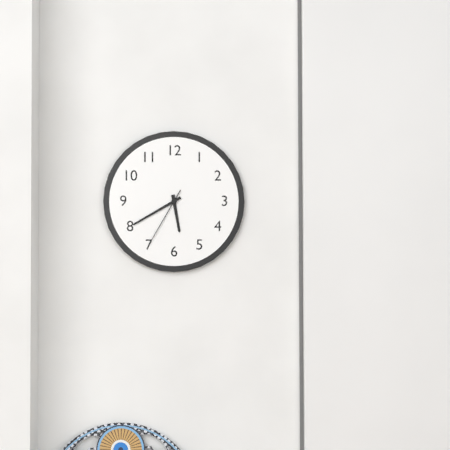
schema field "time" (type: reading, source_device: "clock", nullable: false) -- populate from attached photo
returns 5:40:35
